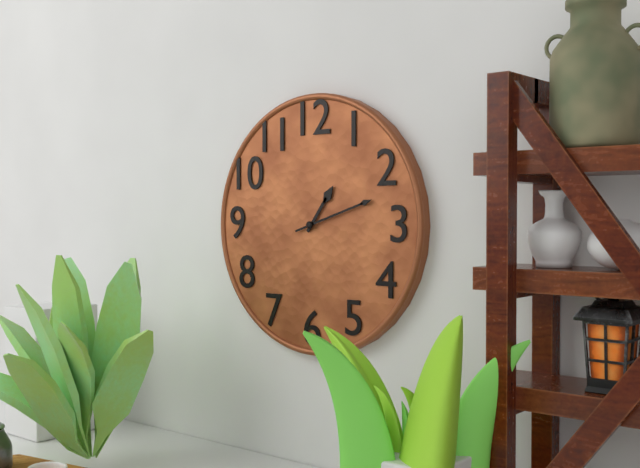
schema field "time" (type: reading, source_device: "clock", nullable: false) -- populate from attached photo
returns 1:12
